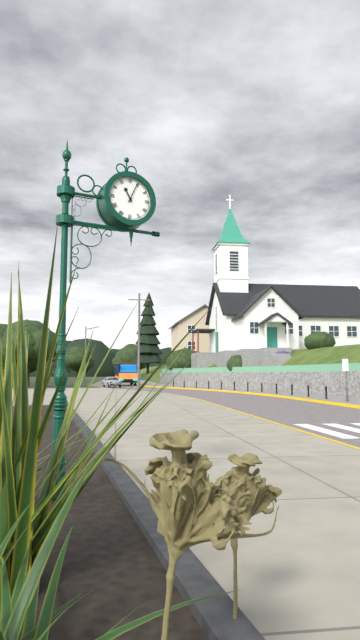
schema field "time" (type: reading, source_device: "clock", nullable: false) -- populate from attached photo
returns 11:04
